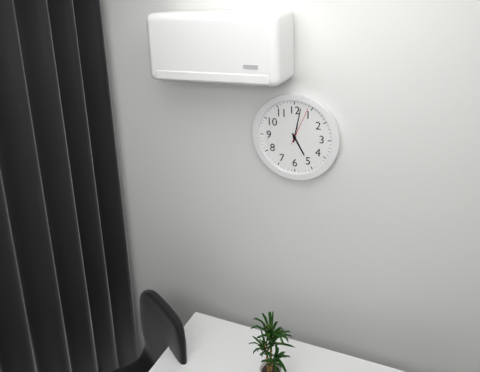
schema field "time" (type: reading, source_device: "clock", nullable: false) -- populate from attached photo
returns 5:02
